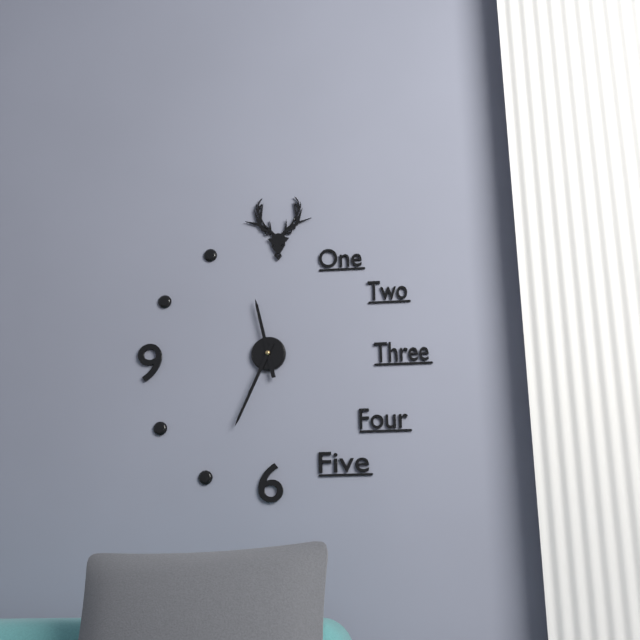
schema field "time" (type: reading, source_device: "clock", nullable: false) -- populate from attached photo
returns 11:34
